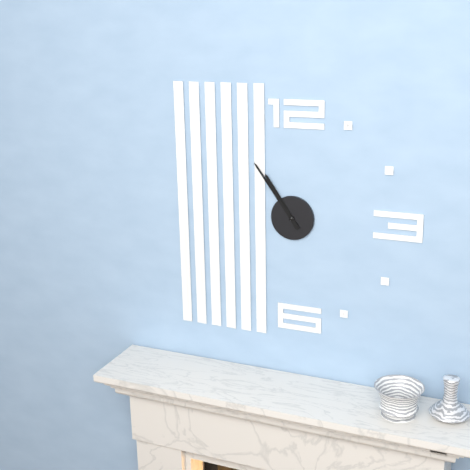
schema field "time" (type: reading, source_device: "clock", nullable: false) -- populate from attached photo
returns 10:54
